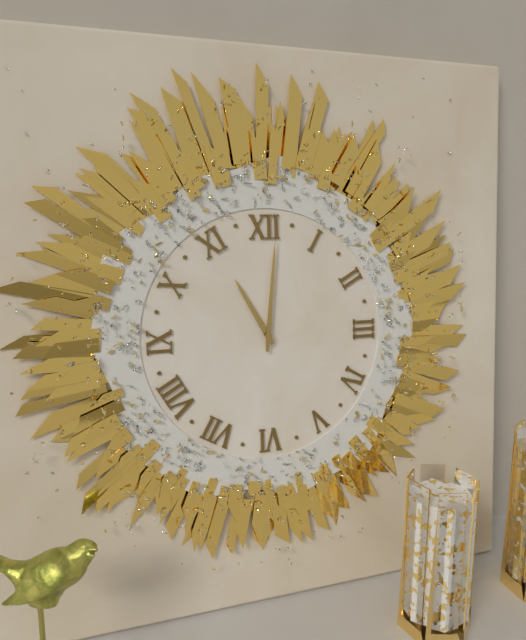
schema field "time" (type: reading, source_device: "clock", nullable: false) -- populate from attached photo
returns 11:01
